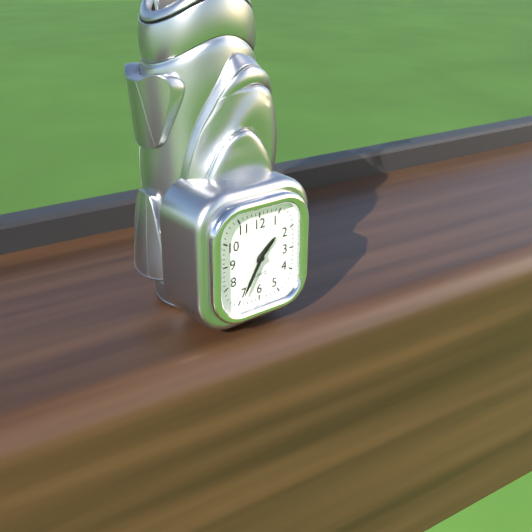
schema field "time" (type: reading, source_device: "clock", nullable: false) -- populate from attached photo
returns 1:35
